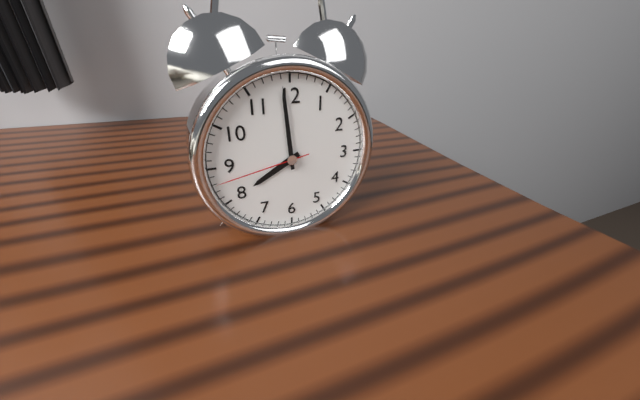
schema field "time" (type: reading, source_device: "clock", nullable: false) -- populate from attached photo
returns 7:59:43
